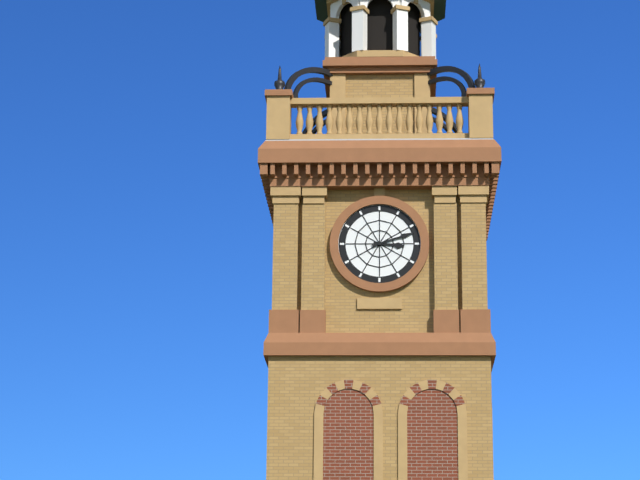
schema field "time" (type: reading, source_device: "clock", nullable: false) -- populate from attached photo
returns 3:12
